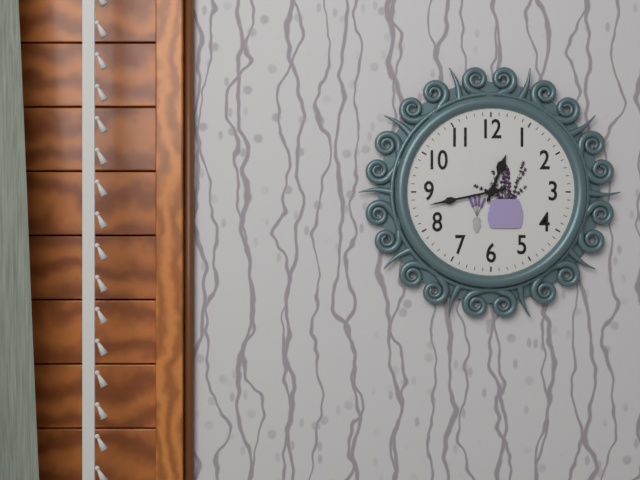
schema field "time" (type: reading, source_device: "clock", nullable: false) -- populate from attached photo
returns 12:43
